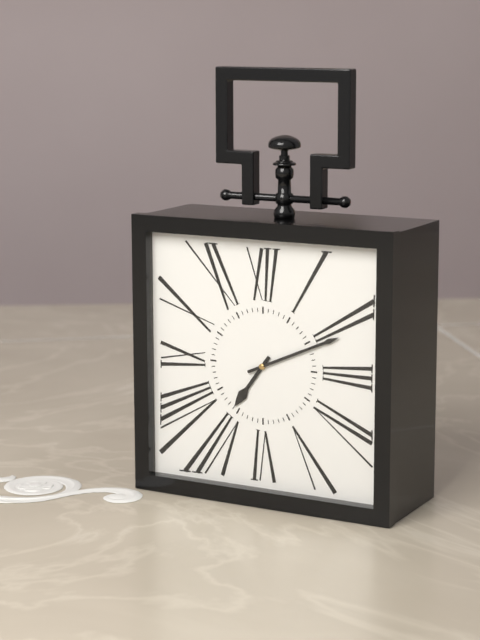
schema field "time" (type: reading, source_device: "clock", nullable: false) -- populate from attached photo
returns 7:11
